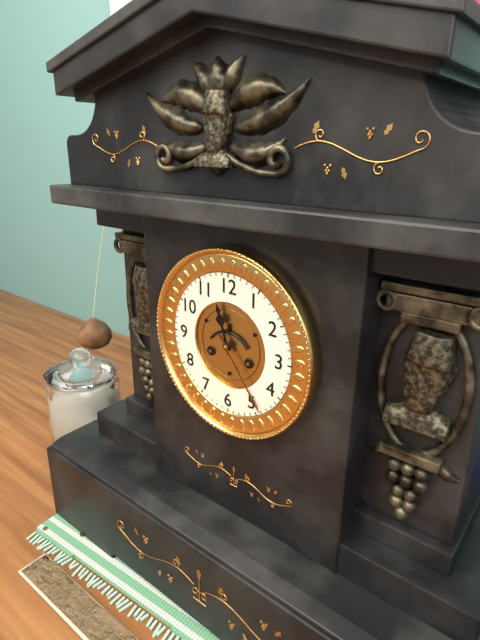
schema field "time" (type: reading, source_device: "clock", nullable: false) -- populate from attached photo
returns 11:24
